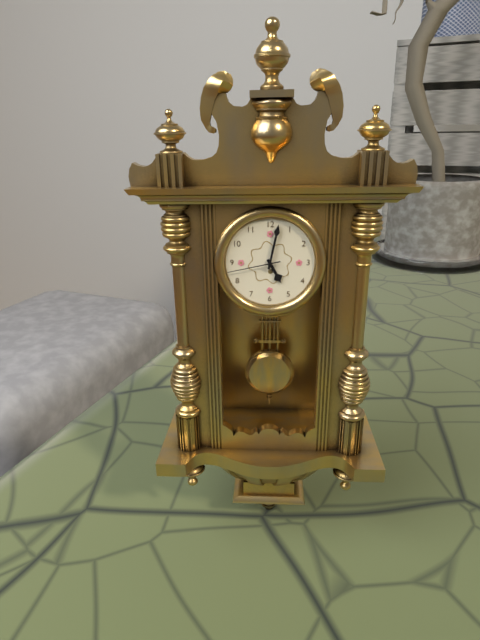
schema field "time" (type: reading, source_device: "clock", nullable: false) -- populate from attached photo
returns 5:02:43
